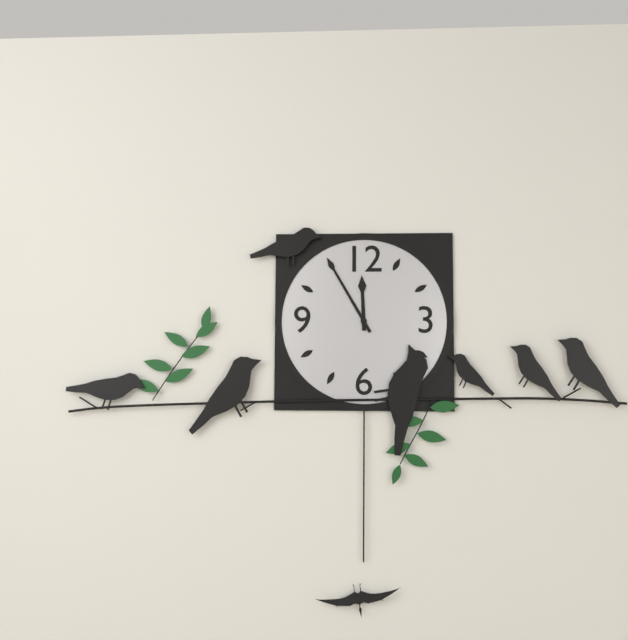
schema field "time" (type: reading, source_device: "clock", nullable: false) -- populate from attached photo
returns 11:55
